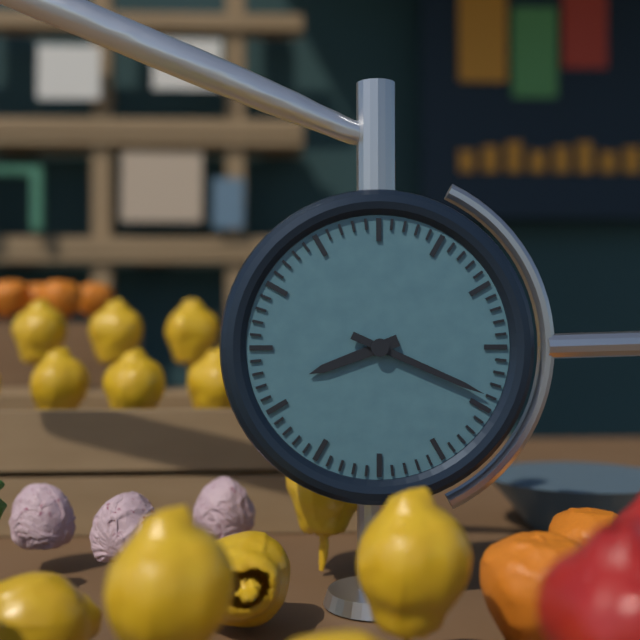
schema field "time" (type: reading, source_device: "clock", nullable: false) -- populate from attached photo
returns 8:19
